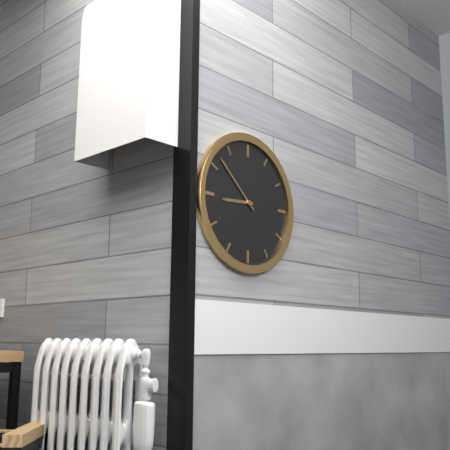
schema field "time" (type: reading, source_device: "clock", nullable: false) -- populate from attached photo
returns 8:52
